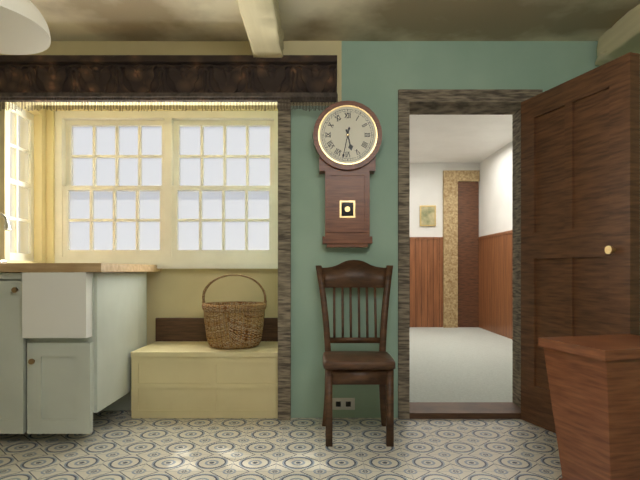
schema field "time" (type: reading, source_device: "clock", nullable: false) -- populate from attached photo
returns 5:32
